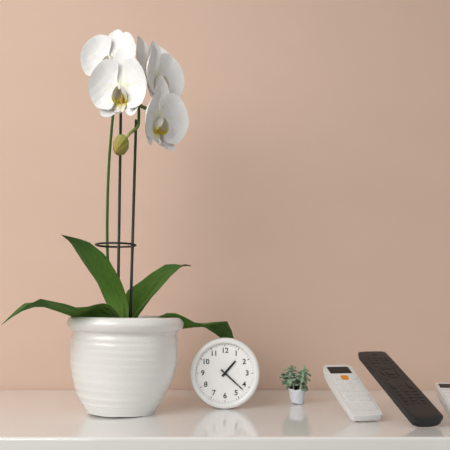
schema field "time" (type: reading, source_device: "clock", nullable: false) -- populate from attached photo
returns 1:22
